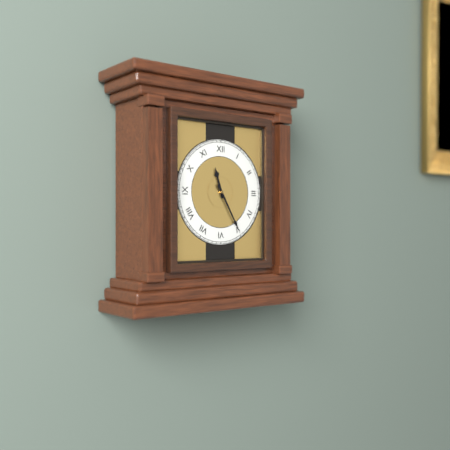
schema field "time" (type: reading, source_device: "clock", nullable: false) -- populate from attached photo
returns 11:25
